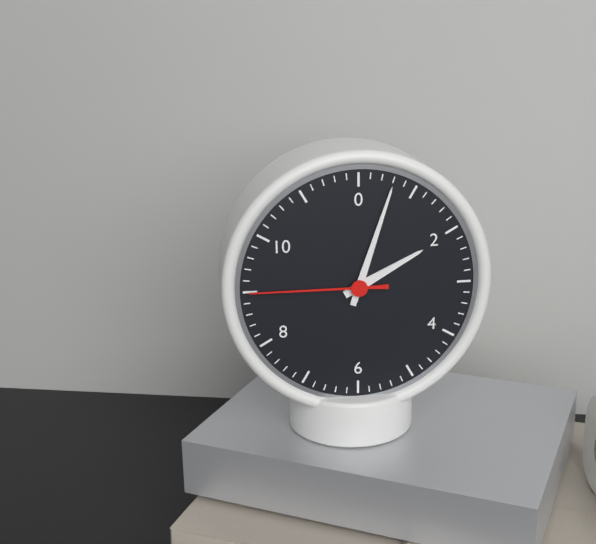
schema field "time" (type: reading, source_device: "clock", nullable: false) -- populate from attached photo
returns 2:03:45
